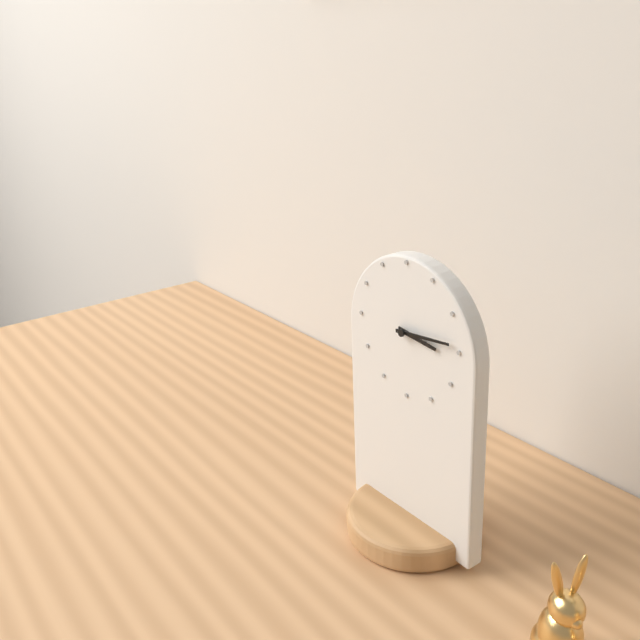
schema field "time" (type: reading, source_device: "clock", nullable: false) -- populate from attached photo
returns 3:14
